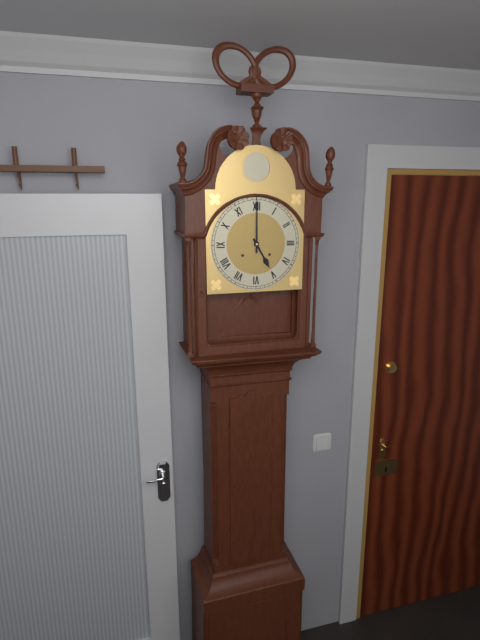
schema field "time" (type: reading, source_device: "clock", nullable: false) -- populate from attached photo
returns 5:00
